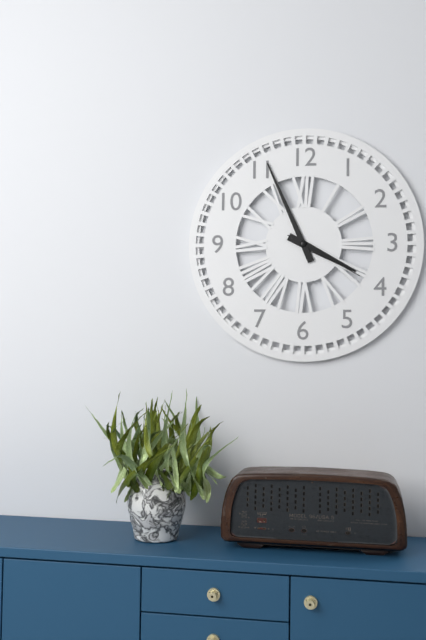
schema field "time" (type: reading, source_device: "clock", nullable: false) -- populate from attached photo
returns 3:56:20
